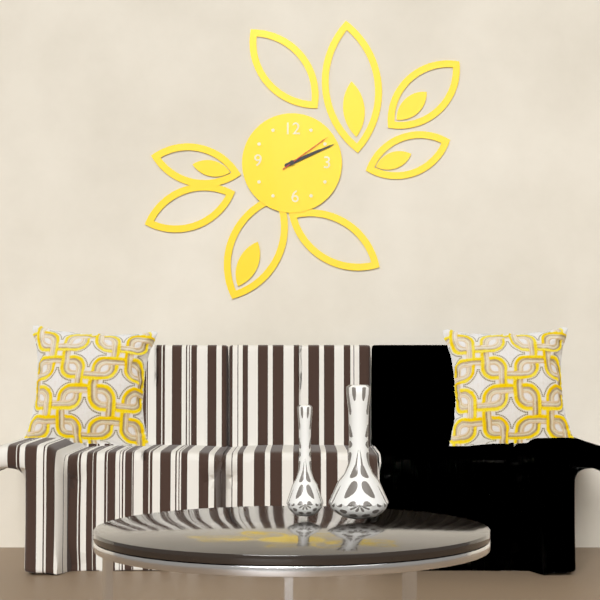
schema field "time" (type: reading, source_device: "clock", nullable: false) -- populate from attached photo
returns 2:11:09
